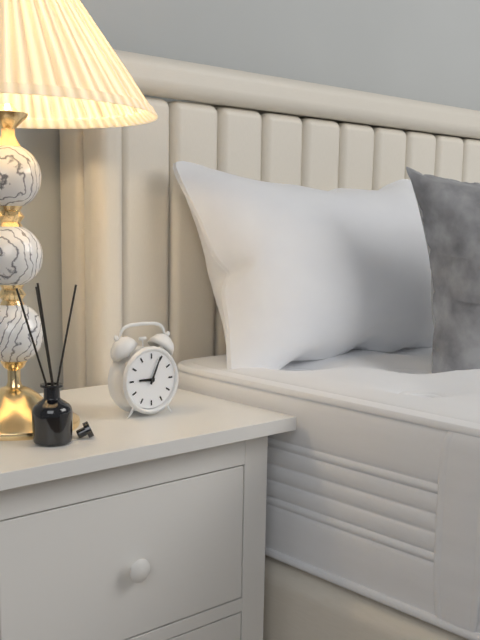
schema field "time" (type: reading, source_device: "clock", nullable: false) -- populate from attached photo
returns 9:04
